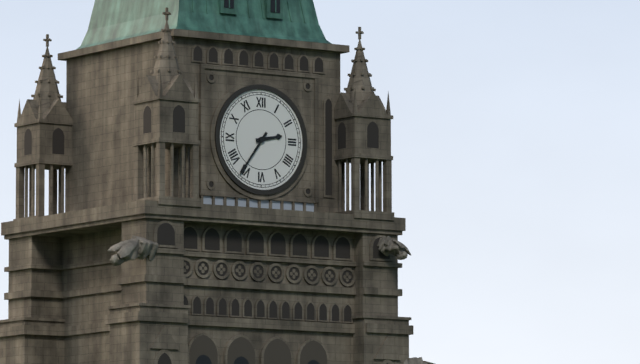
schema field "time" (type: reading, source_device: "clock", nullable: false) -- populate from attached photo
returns 2:36
